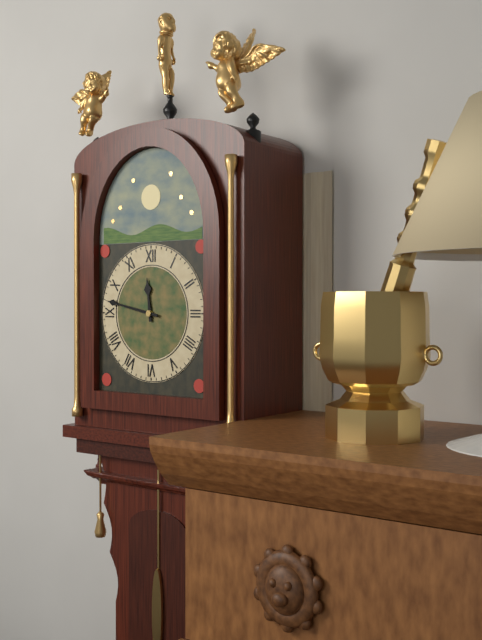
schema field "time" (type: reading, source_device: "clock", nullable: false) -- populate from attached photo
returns 11:47
